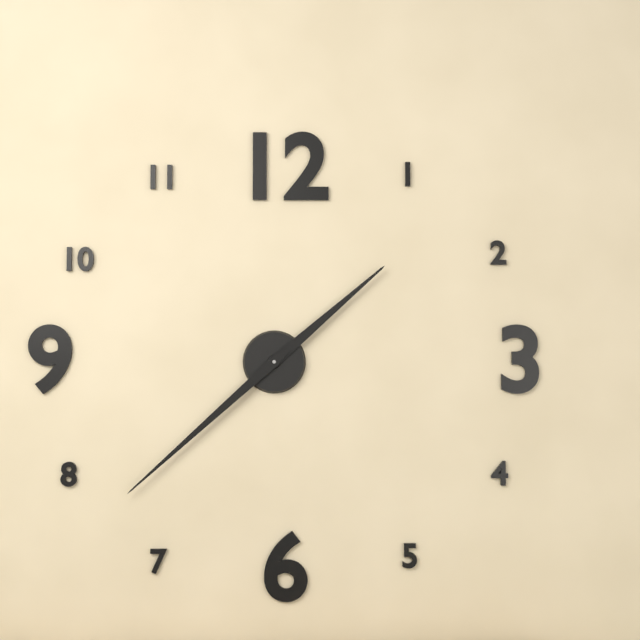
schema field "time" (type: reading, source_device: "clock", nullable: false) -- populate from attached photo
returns 1:38
